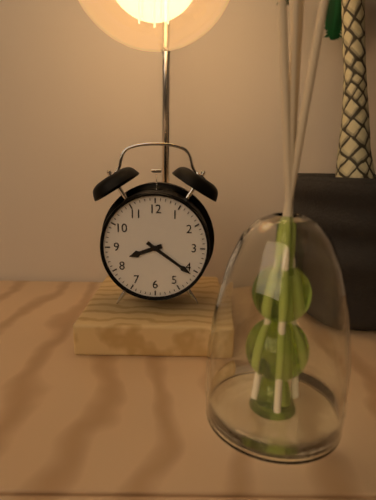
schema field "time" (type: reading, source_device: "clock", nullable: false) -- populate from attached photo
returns 8:21
